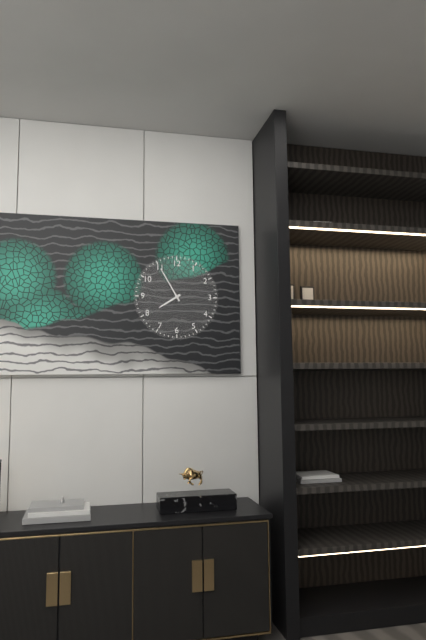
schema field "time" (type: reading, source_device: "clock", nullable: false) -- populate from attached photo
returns 7:55
